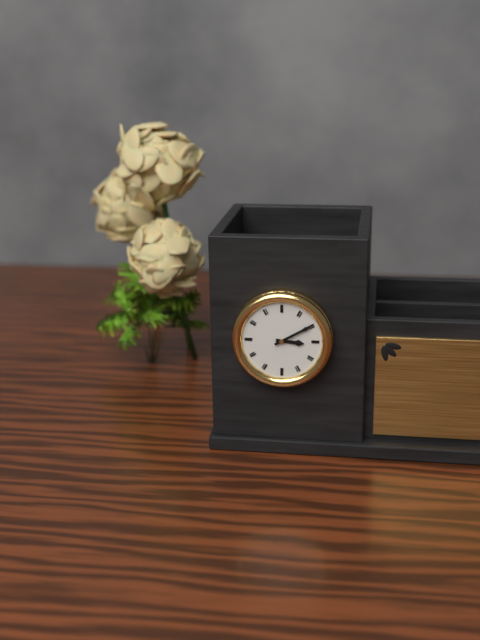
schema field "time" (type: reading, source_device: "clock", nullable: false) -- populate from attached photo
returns 3:10
